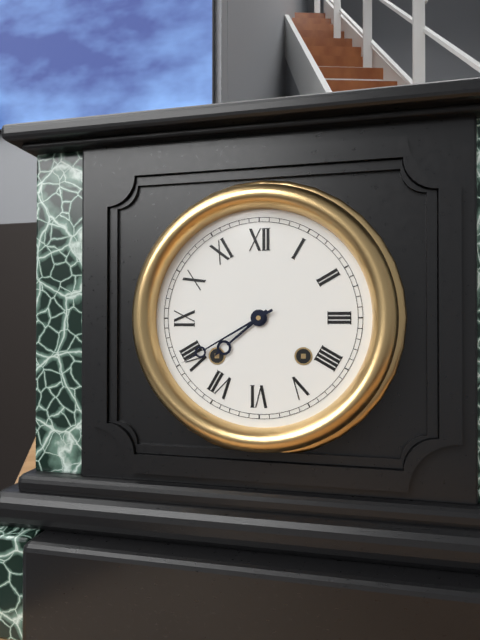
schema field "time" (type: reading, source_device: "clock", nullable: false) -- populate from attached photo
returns 7:40
